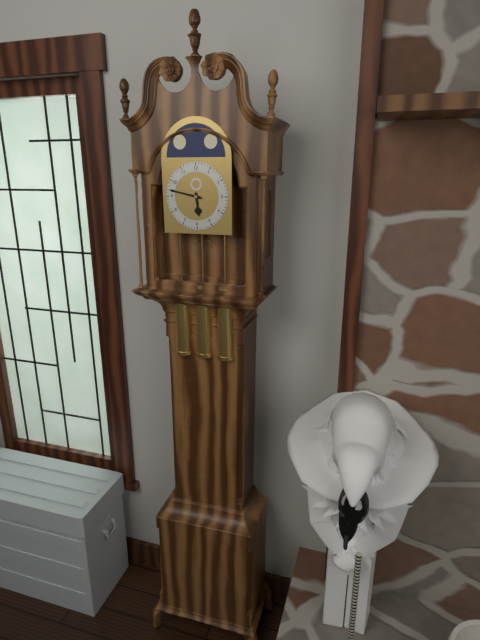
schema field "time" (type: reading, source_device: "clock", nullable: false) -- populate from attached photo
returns 5:47
